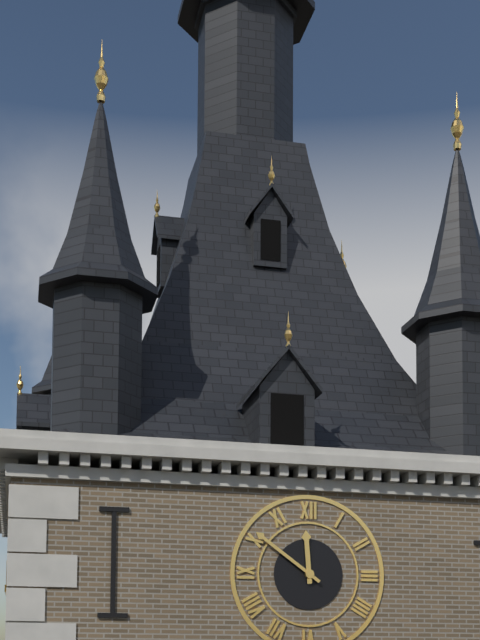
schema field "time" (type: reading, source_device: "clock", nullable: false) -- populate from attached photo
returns 11:51
